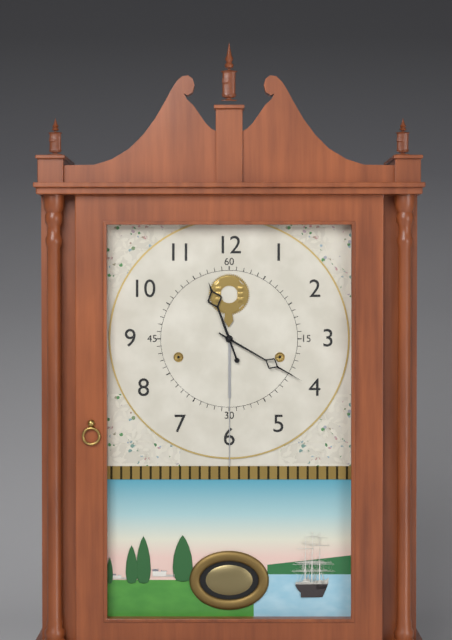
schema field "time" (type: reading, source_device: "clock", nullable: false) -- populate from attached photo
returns 11:20
